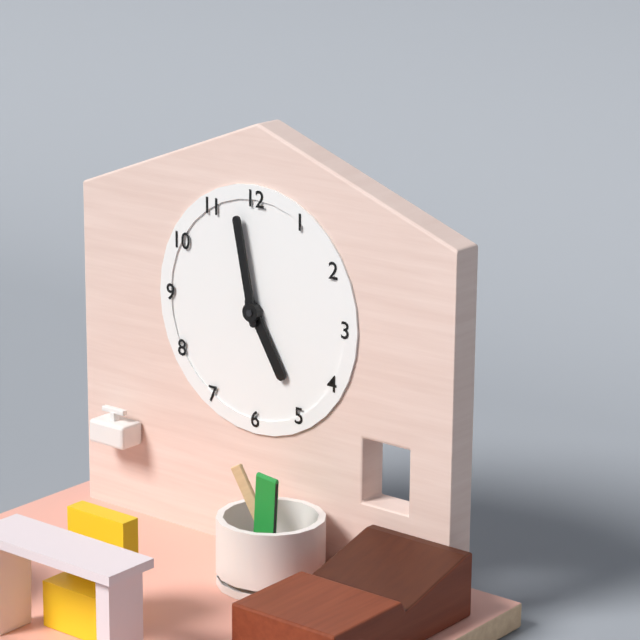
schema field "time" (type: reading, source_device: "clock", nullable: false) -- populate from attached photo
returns 4:58
